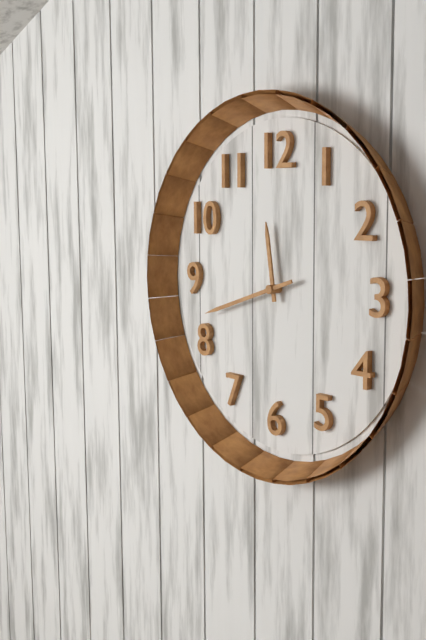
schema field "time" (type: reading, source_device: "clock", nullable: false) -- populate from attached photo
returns 11:42
